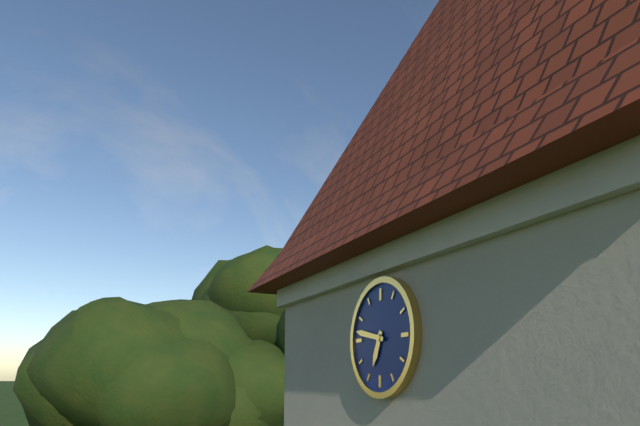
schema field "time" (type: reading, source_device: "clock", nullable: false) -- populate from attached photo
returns 6:47
